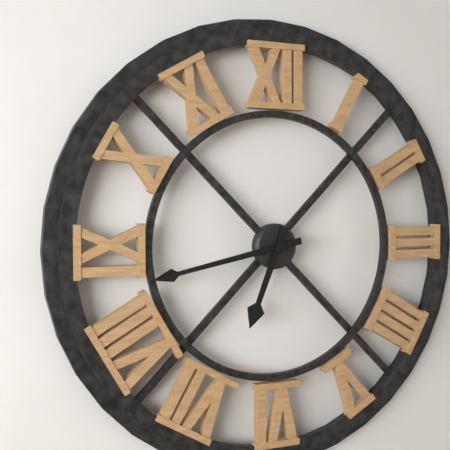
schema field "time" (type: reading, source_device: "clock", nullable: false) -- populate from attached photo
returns 6:43
